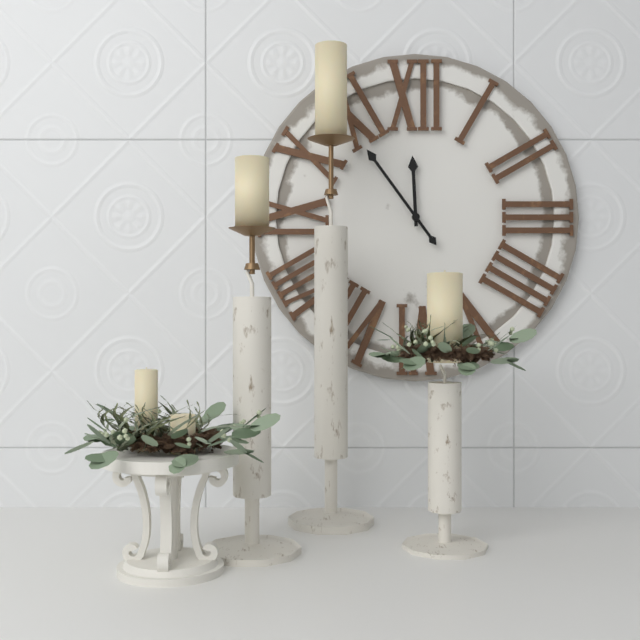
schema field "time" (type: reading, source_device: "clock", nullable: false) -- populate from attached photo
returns 11:54
